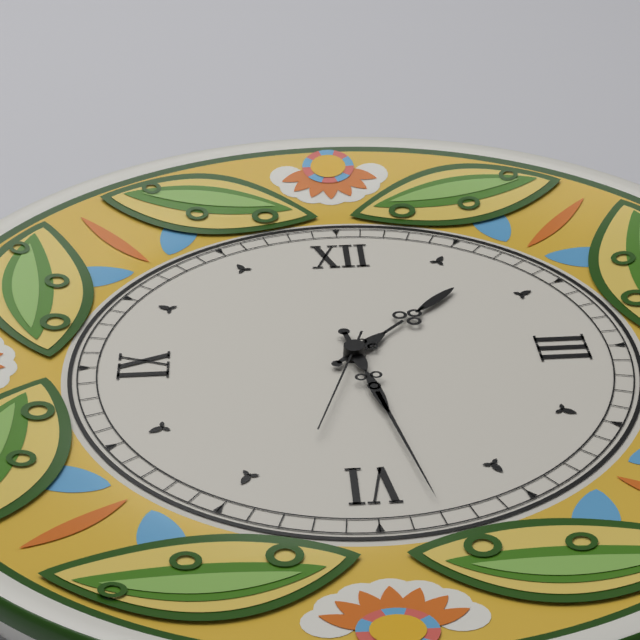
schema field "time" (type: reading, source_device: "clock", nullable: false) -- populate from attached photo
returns 1:28:33
